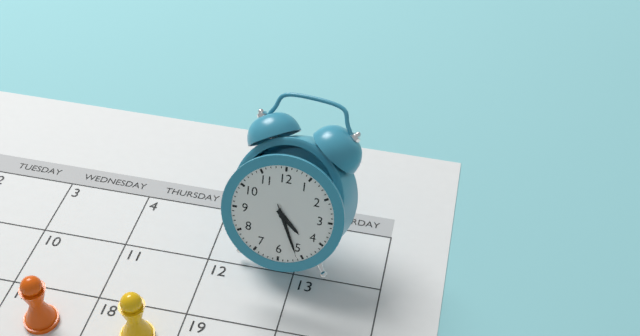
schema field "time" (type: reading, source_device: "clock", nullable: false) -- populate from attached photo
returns 4:26:26
